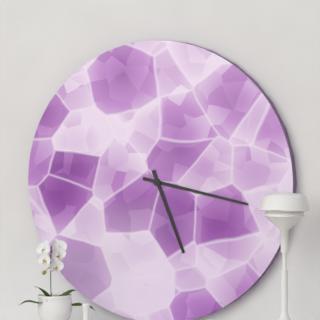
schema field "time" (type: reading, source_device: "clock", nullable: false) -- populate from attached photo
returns 5:17
